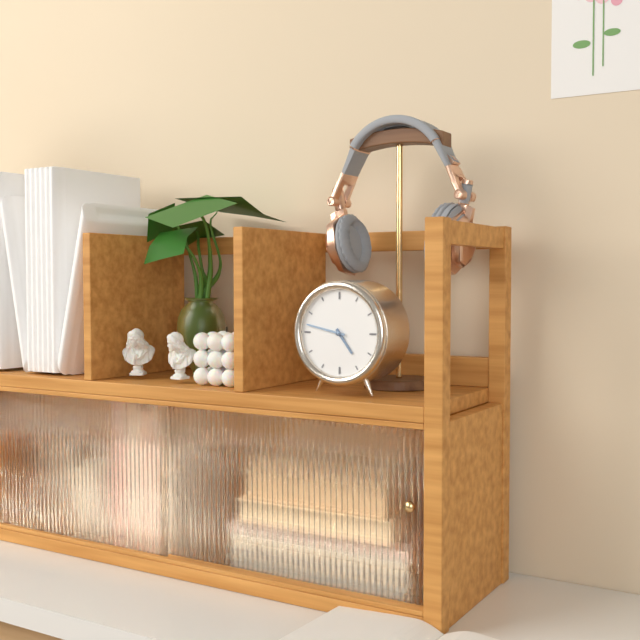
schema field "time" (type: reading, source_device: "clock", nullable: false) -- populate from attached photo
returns 4:47
